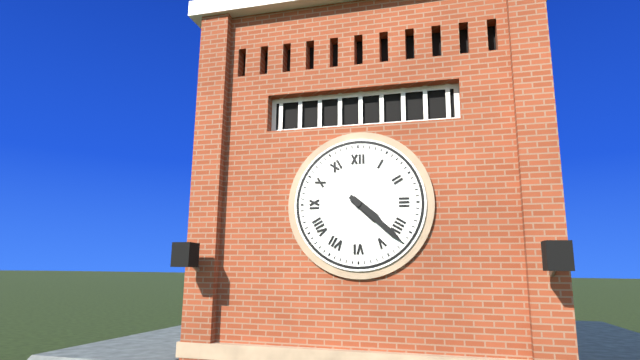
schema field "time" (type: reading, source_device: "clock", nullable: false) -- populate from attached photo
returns 4:22
